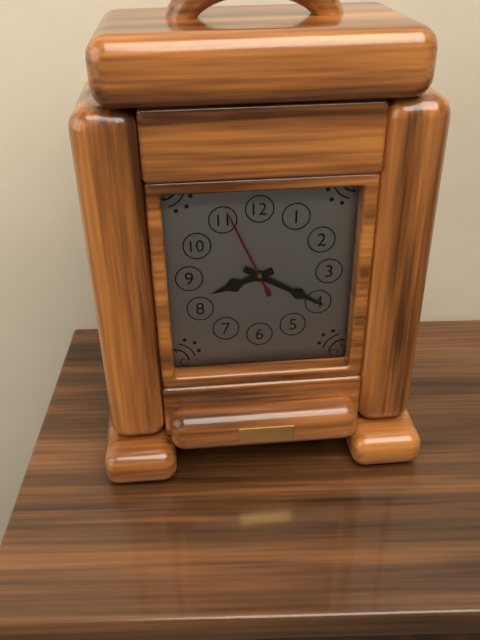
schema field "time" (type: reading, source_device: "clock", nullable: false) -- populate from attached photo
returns 8:20:56
